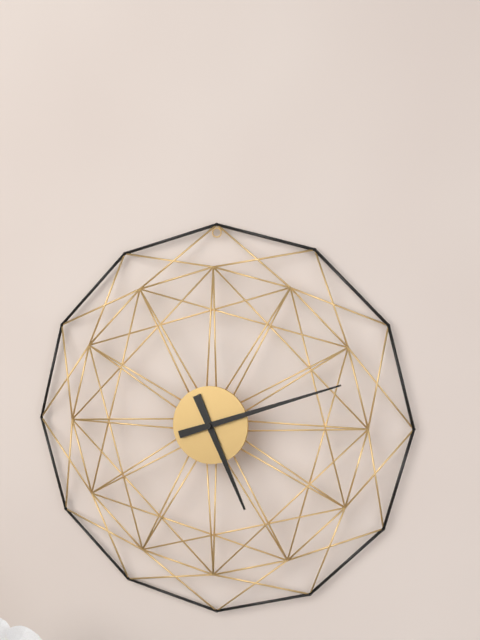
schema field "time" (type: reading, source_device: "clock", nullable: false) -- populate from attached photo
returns 5:12
